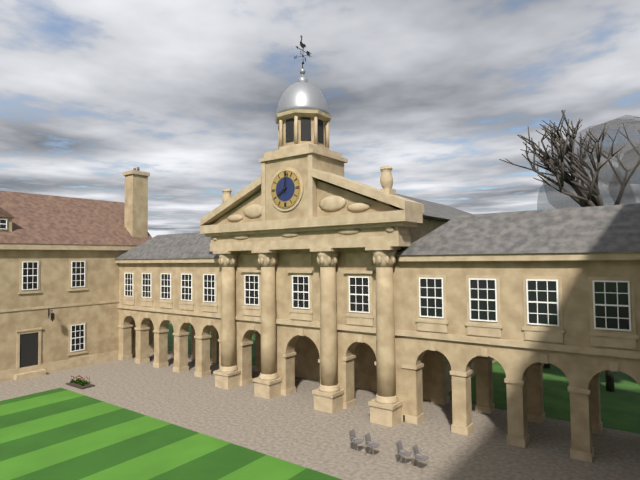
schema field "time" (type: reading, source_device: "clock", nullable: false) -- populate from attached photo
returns 8:01
